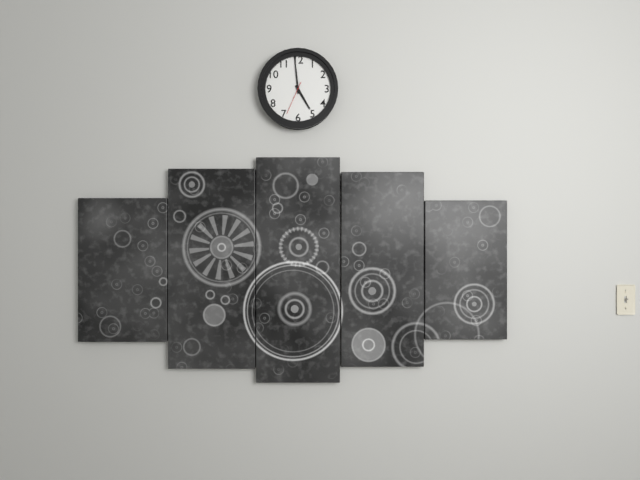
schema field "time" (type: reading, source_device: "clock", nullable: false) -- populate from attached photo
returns 4:59
